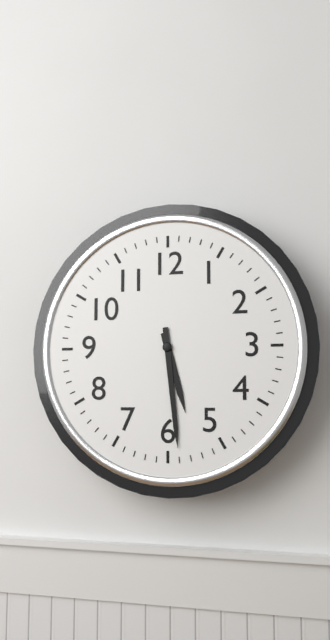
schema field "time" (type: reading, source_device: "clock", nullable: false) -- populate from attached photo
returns 5:29
